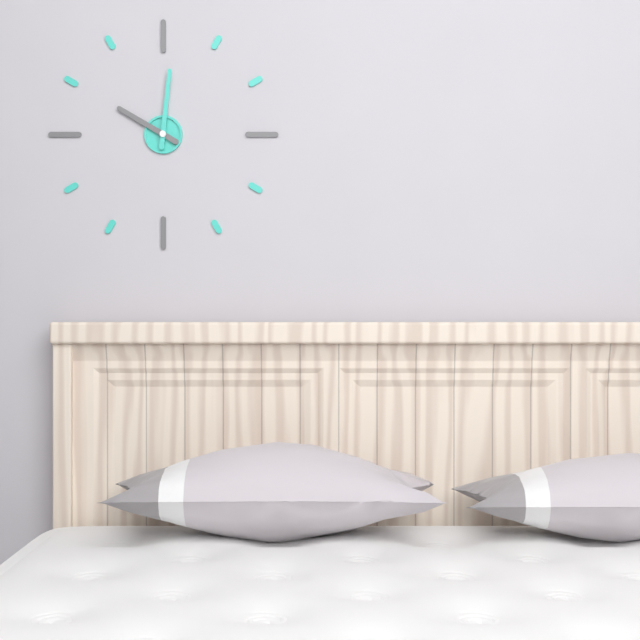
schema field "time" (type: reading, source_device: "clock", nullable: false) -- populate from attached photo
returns 10:01
